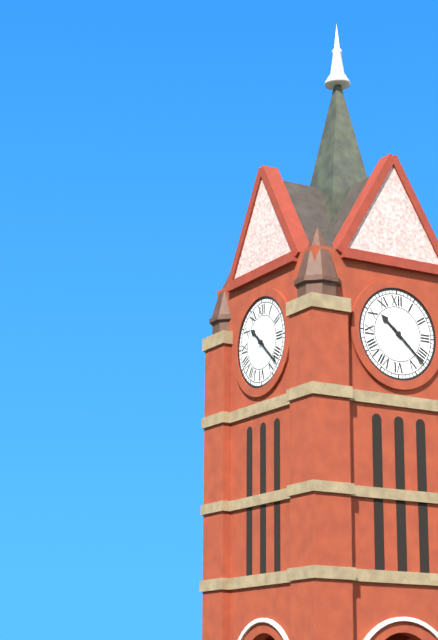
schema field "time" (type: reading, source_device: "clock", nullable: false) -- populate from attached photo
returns 10:22
